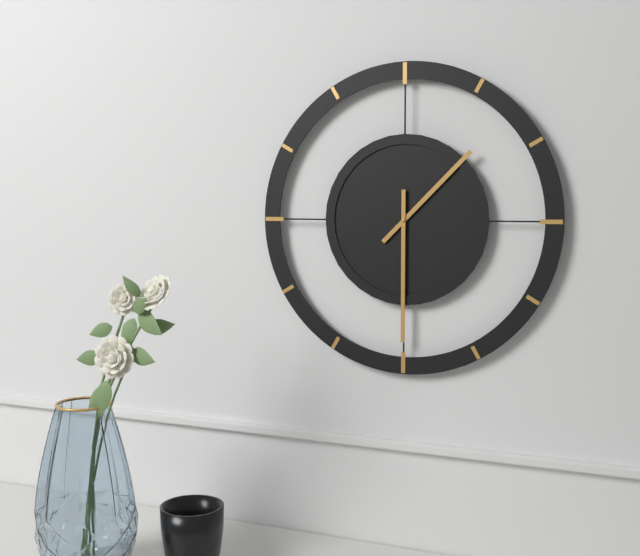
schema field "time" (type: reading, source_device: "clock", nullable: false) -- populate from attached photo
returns 1:30
